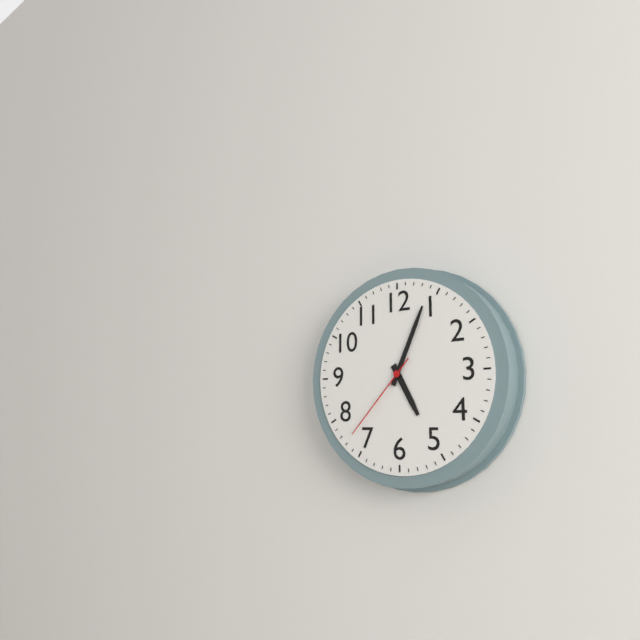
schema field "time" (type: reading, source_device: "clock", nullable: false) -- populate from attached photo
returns 5:04:37
